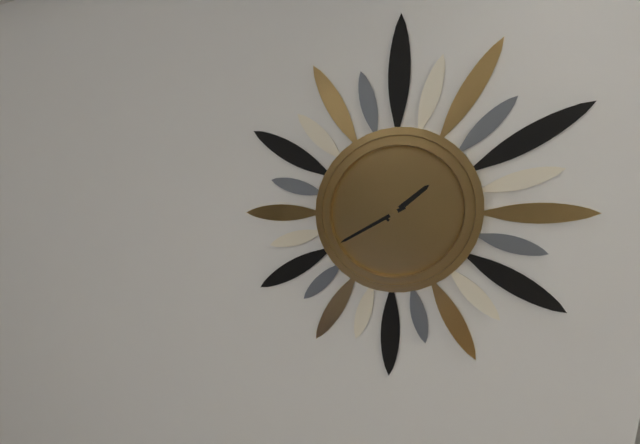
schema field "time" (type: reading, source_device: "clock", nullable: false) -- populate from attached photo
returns 1:40
